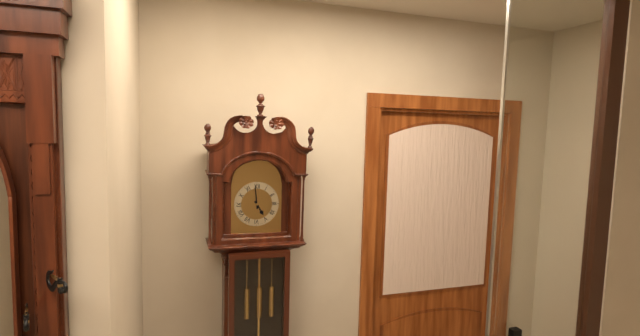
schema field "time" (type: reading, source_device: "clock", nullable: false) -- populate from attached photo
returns 4:59
